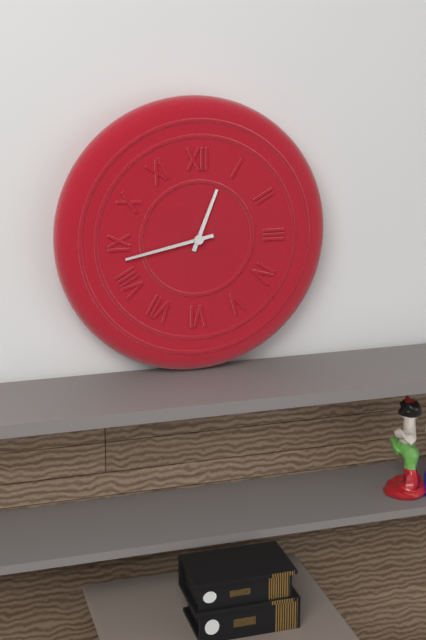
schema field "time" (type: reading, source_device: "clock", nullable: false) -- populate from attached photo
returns 12:43
